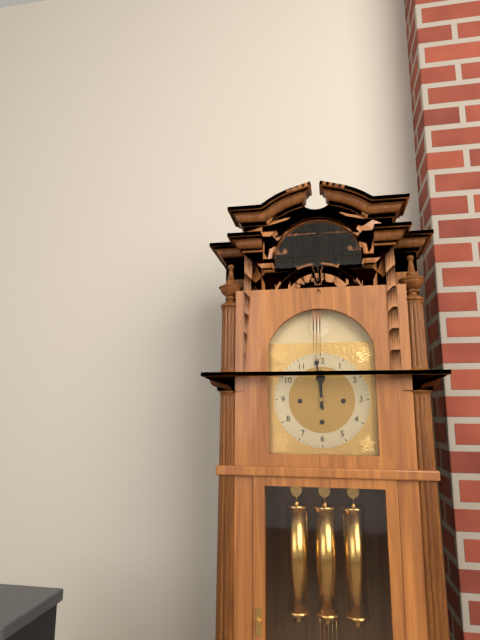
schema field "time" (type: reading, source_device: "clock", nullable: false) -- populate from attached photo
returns 11:59
